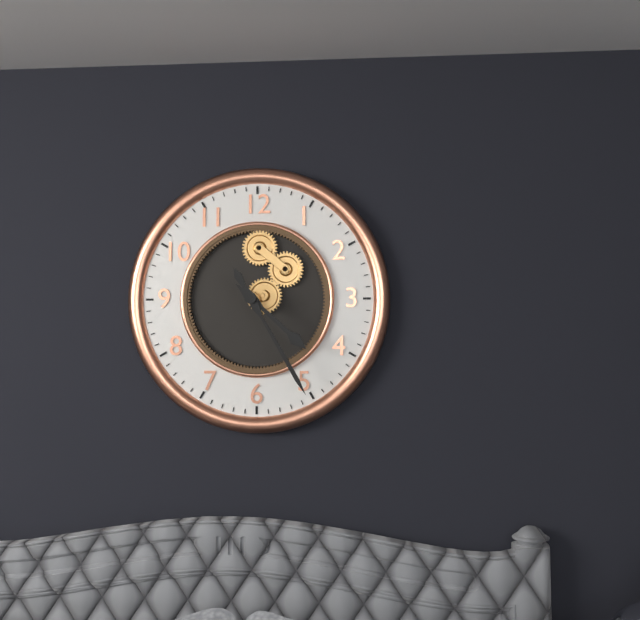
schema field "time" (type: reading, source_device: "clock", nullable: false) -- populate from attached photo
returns 4:25
